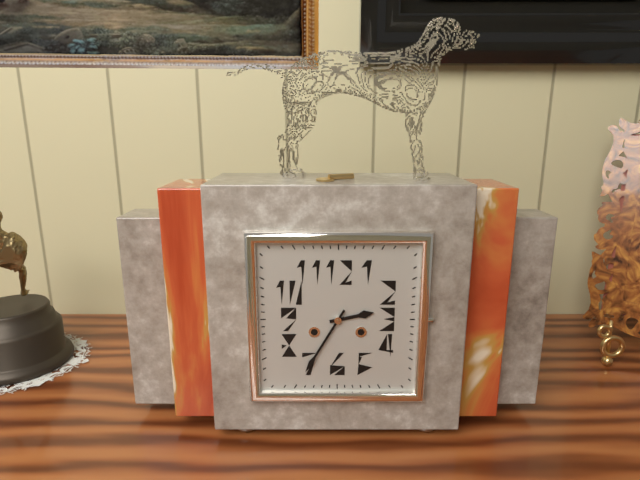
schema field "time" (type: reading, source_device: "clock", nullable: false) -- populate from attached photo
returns 2:35
